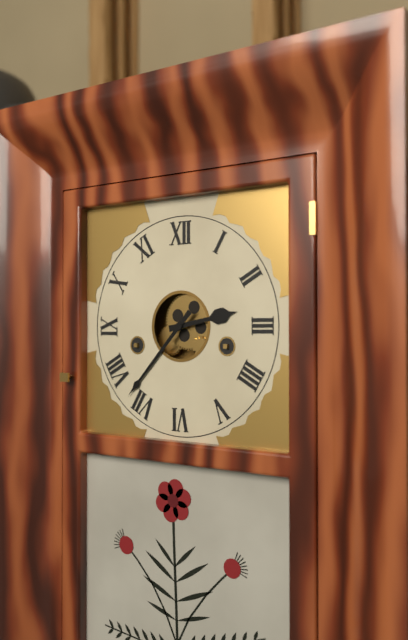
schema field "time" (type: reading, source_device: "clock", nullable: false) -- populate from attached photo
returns 2:37
